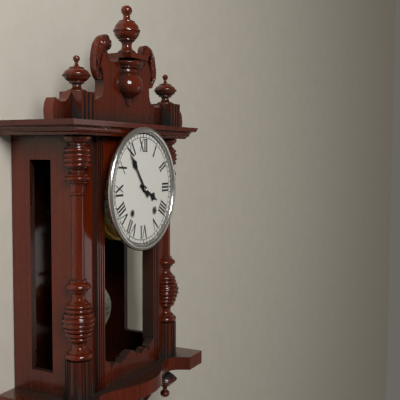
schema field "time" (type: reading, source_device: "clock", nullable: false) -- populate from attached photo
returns 3:54
